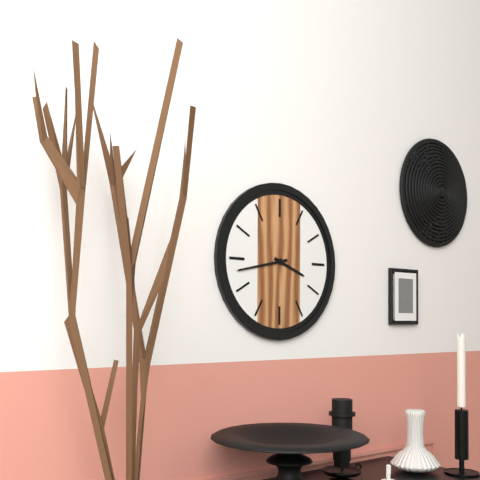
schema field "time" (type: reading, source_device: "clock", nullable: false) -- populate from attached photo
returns 3:43
